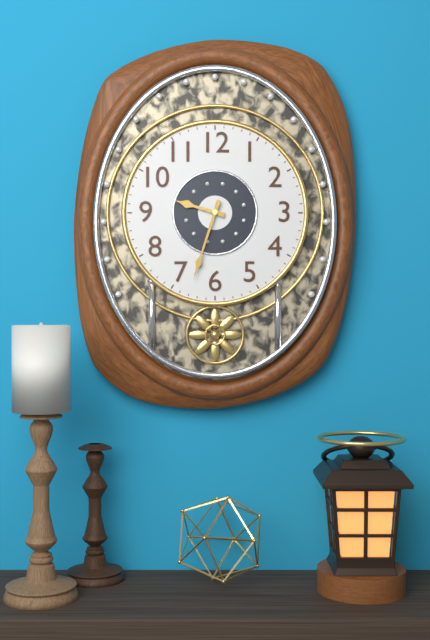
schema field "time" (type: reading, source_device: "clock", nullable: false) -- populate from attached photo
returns 9:33
